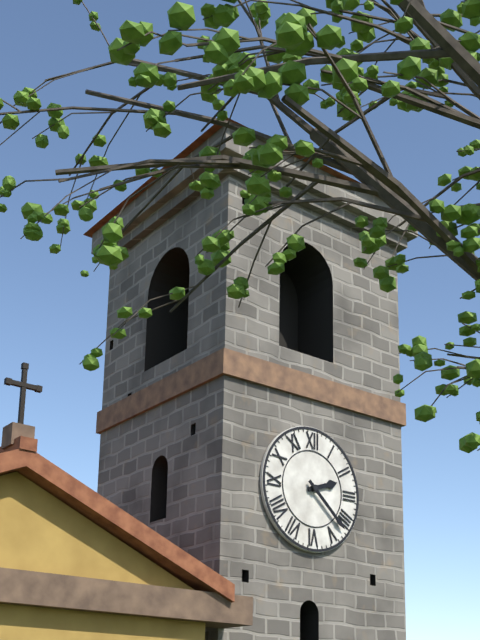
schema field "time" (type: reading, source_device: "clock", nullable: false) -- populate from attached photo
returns 2:22
